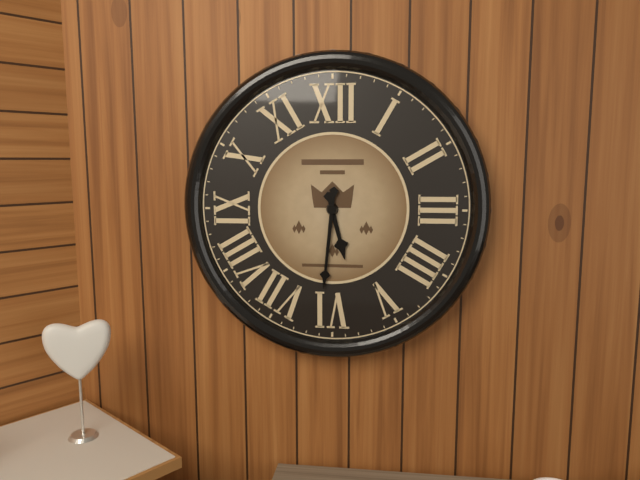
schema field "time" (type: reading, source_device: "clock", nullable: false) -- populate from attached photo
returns 5:31
